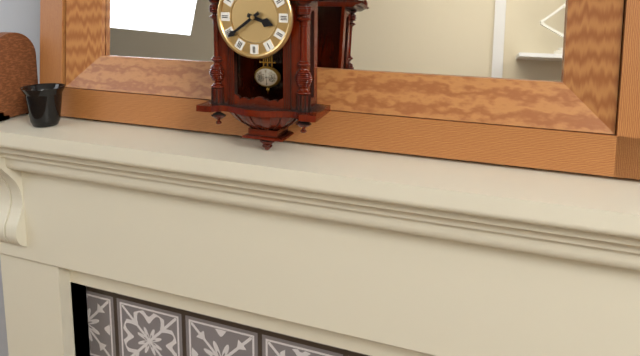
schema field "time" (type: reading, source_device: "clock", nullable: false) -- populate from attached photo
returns 3:39
